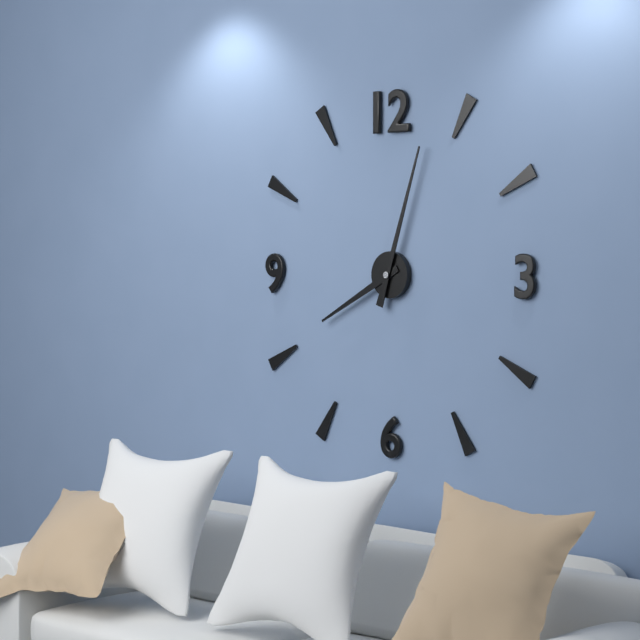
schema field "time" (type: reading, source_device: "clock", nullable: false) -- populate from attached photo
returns 8:03
